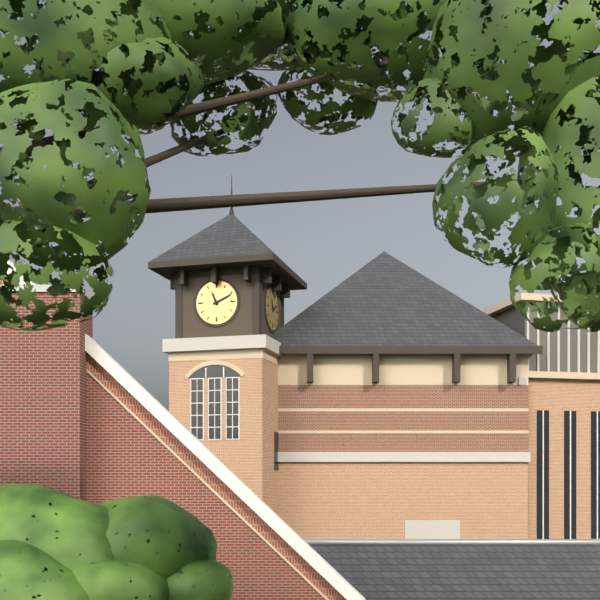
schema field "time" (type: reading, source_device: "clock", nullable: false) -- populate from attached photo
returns 11:11
